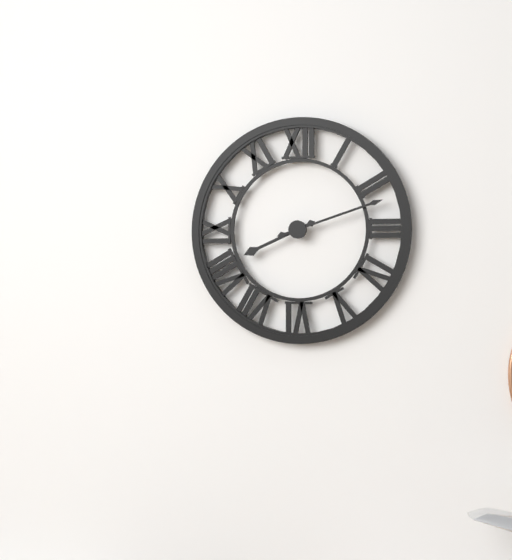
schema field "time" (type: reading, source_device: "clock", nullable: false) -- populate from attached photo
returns 8:12
